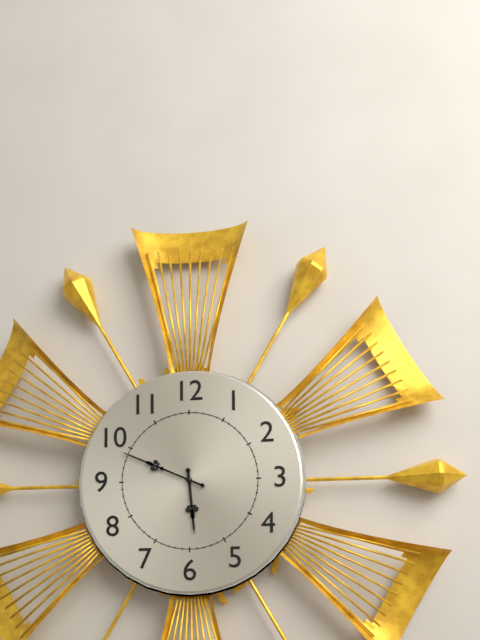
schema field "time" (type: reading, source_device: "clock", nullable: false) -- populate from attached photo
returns 5:49
